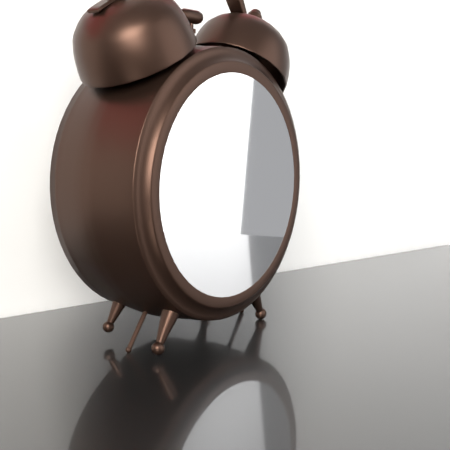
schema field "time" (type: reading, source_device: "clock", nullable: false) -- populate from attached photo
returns 4:47
